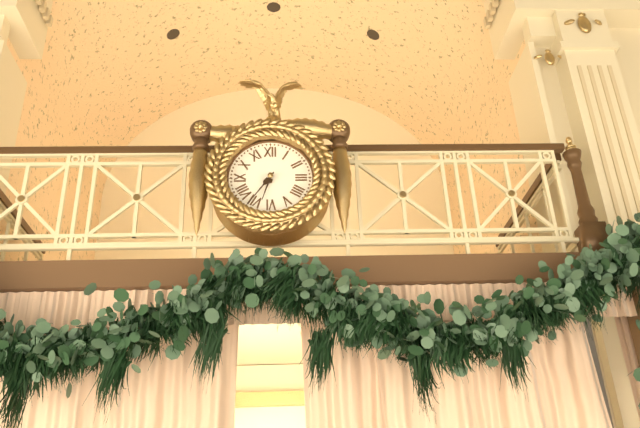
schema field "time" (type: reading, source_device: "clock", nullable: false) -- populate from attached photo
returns 6:36
